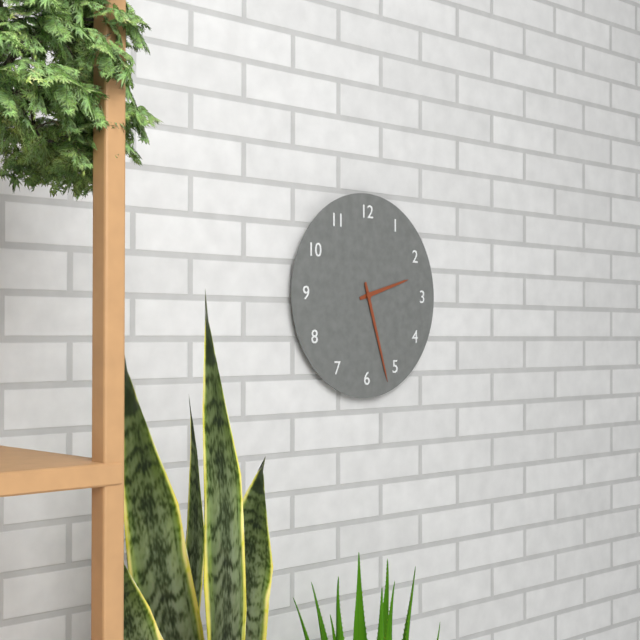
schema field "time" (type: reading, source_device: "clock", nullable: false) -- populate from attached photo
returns 2:27
